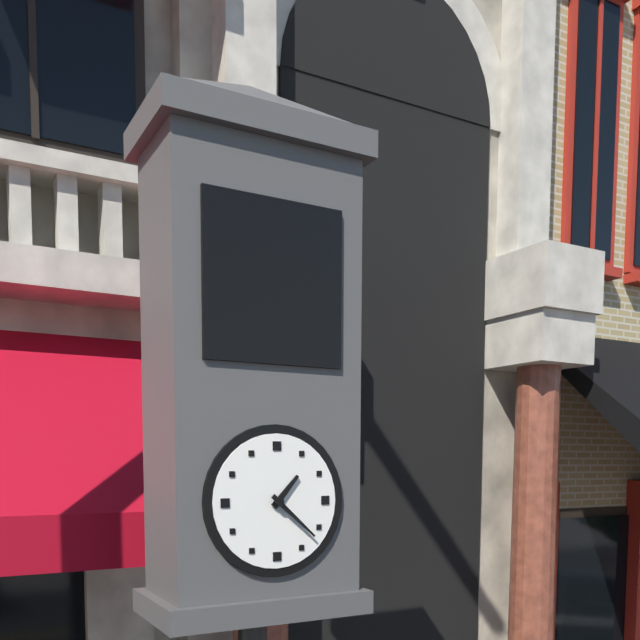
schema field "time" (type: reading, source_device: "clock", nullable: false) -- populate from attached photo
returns 1:22
